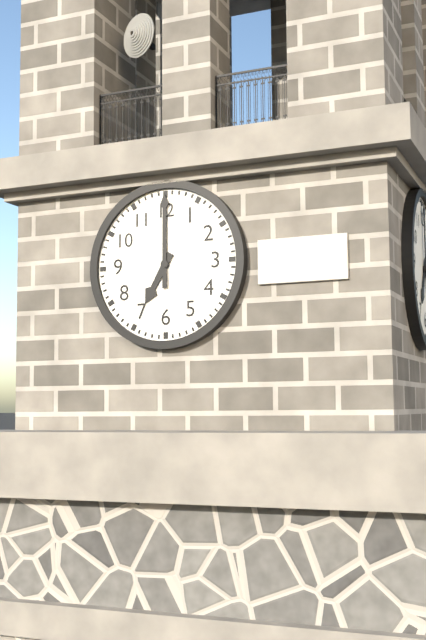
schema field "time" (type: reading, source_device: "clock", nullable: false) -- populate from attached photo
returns 7:00
